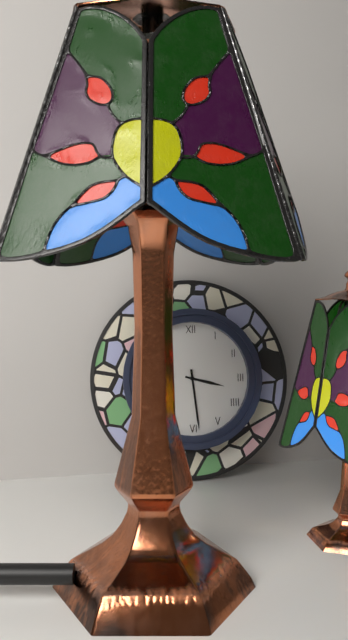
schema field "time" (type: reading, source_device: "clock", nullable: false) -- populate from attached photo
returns 3:29
